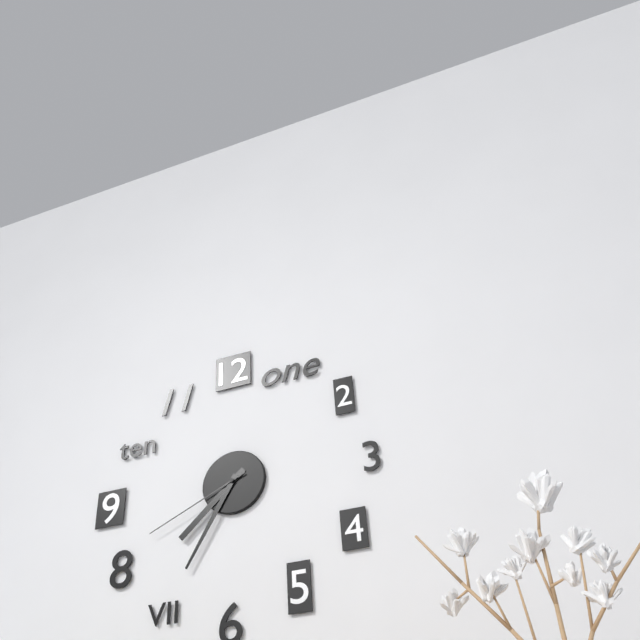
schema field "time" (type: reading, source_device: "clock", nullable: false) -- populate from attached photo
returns 7:35:41
